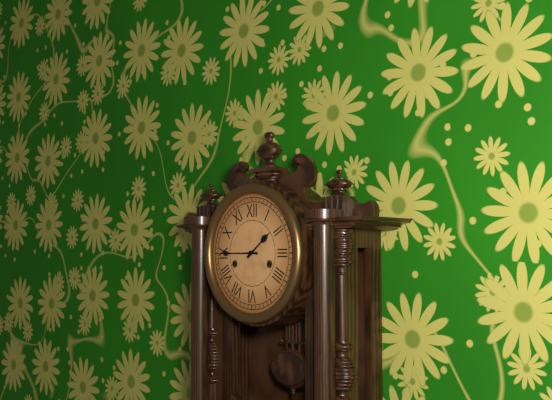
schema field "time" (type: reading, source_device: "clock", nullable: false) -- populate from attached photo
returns 1:45
